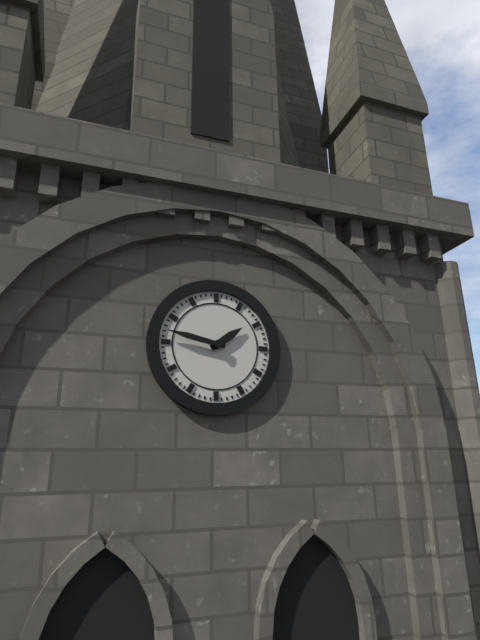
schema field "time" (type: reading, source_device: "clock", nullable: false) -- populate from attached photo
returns 1:47
